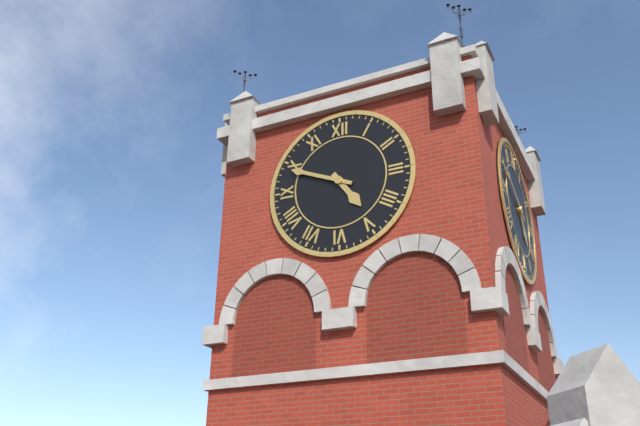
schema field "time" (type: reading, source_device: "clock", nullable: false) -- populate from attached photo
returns 4:49
